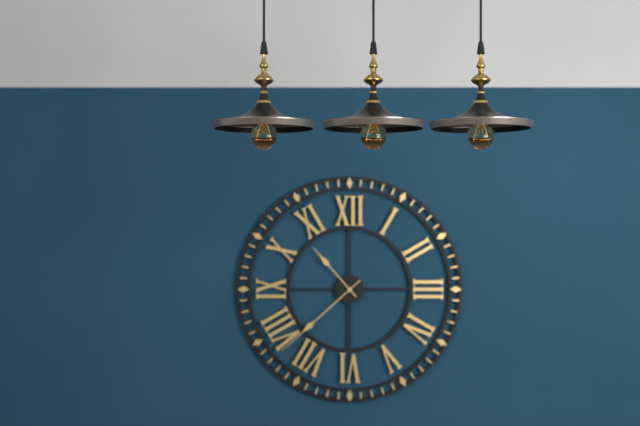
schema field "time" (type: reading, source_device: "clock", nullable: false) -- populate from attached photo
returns 10:38
